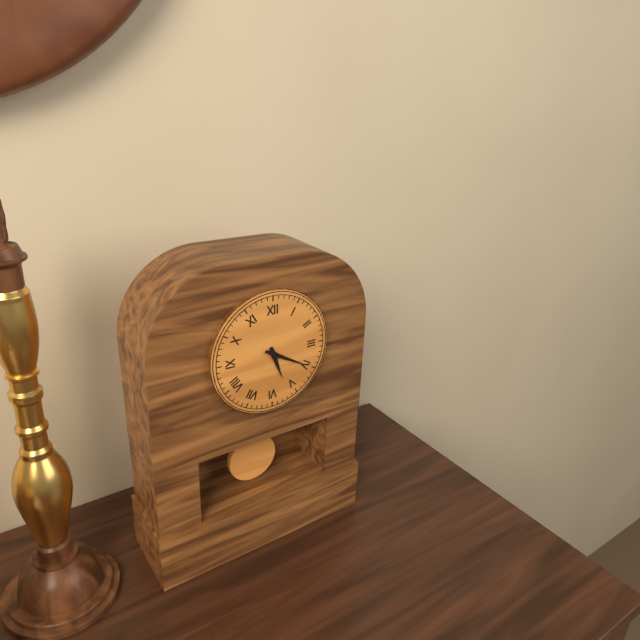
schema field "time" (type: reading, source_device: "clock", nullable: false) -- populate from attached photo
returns 5:20
